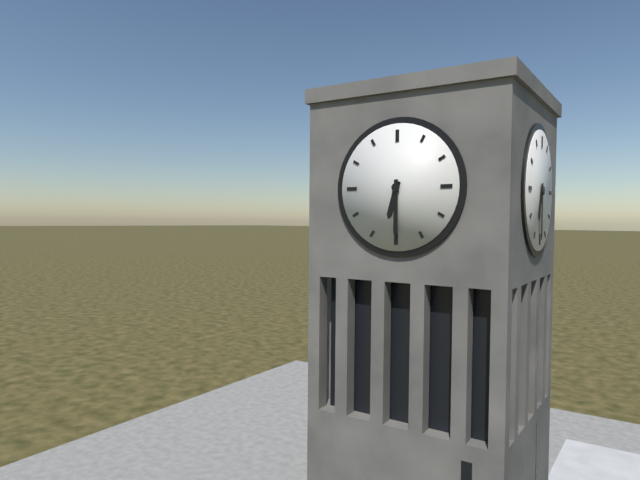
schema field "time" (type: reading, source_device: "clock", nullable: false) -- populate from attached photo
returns 6:30
